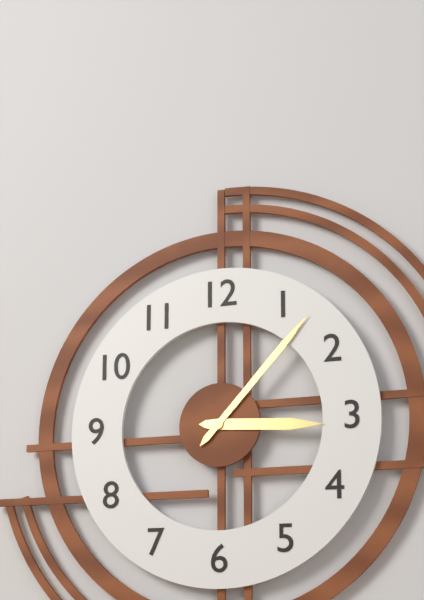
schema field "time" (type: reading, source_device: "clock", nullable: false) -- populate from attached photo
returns 3:07
